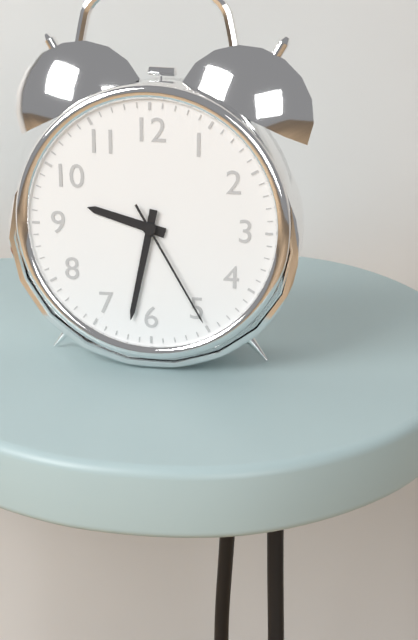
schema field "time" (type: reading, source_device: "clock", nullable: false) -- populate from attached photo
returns 9:32:25
